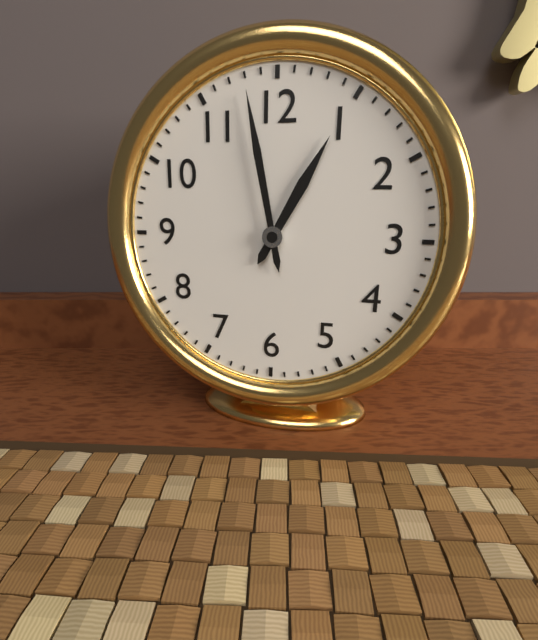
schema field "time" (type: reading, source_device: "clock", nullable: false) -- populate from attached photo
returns 12:58
